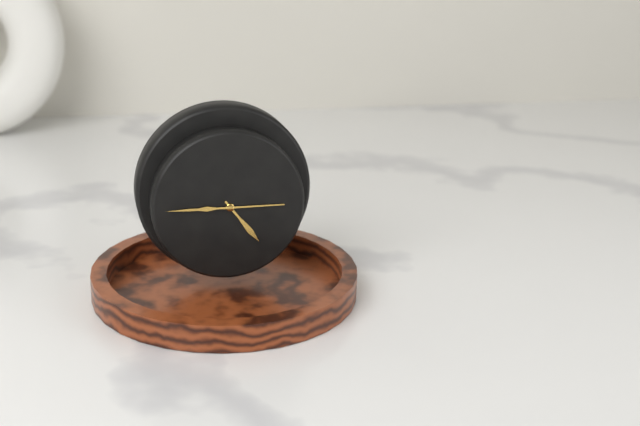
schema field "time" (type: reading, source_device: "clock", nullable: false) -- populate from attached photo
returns 4:45
